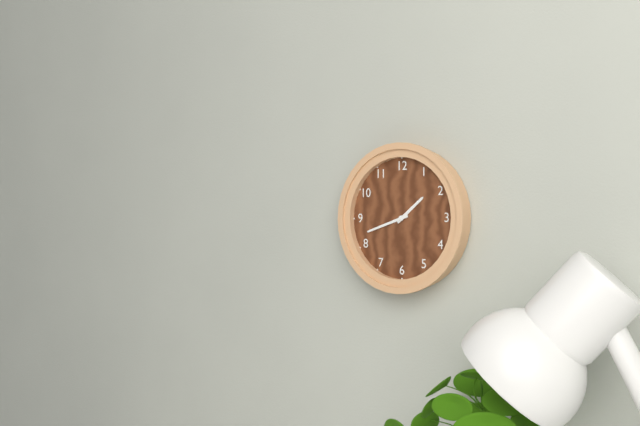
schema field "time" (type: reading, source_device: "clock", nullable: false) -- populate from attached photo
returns 1:42
